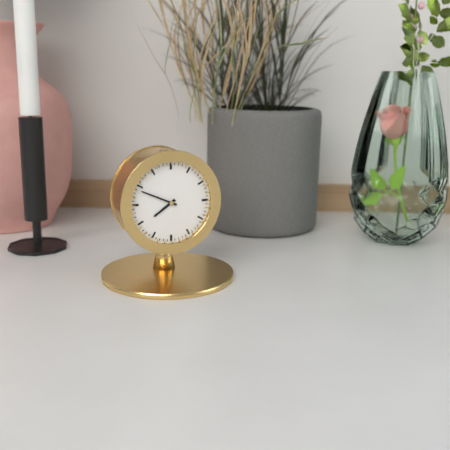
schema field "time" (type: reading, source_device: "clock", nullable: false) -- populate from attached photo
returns 7:49
